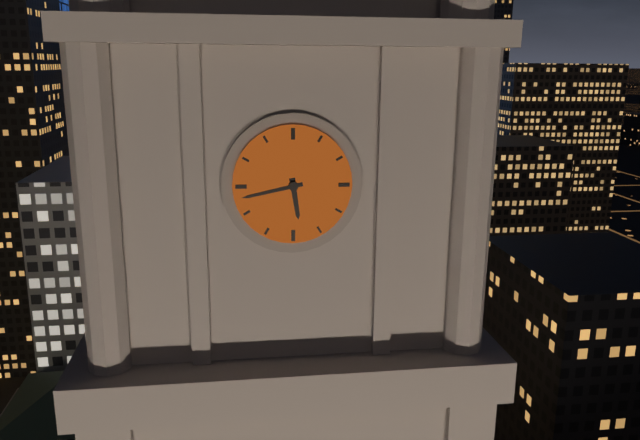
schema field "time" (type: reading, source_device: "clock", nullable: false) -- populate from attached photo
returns 5:43
